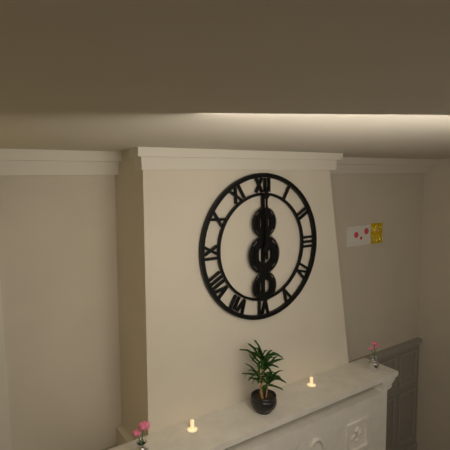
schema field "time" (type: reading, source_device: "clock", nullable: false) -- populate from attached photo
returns 12:00
